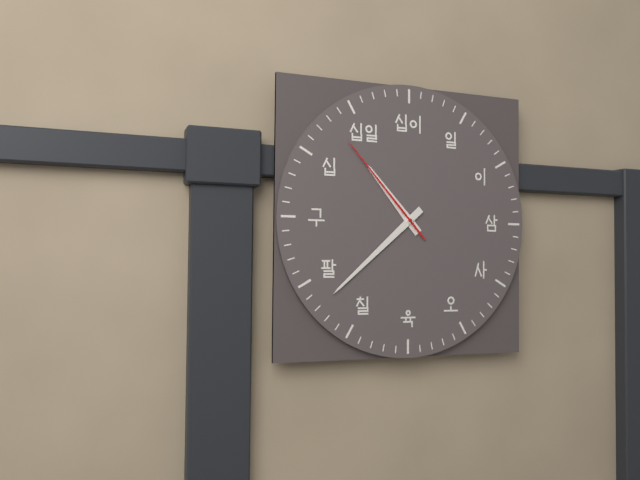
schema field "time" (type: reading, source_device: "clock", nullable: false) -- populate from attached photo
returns 10:38:53
